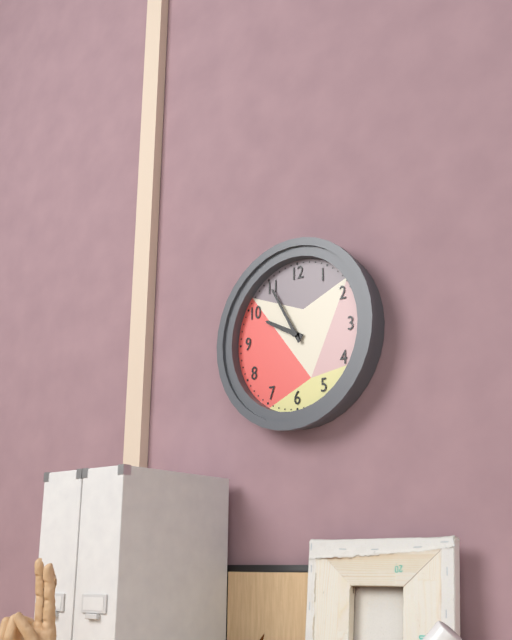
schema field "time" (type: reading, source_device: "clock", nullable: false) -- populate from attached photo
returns 9:55
